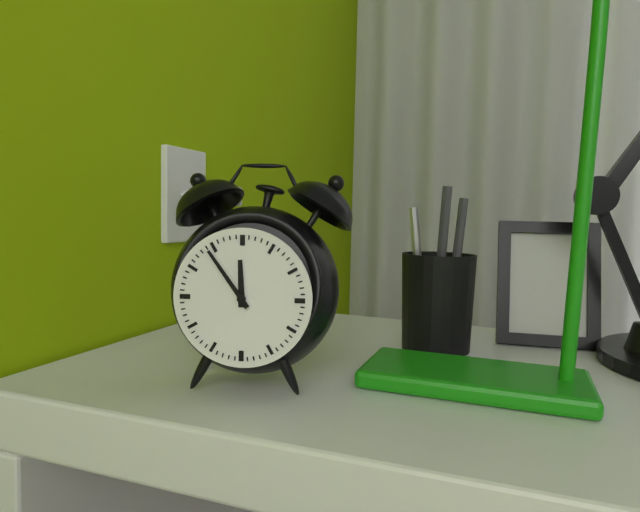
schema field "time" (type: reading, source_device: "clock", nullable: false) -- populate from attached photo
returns 11:54
